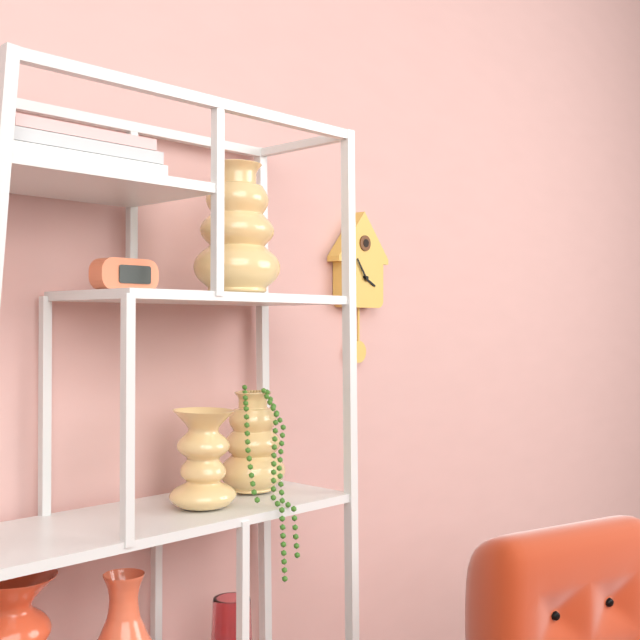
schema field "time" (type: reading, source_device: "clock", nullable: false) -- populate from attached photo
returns 3:54
